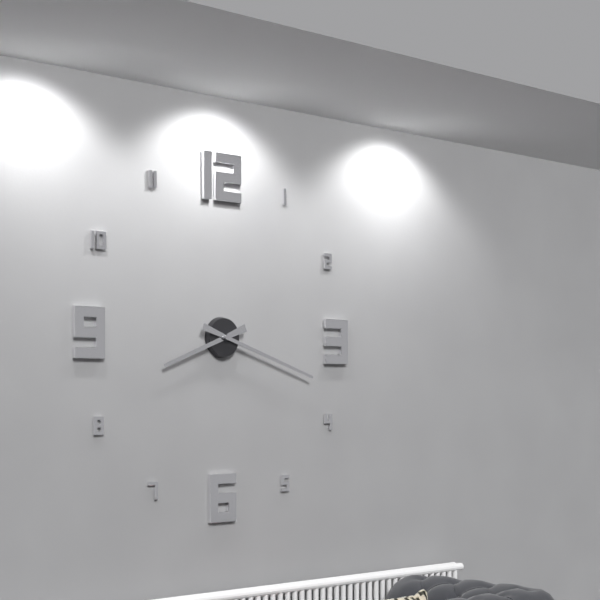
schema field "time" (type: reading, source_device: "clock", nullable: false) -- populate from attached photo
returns 8:18
